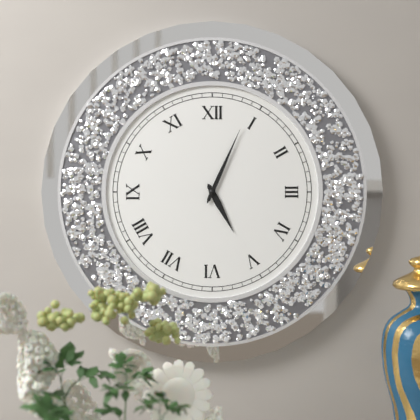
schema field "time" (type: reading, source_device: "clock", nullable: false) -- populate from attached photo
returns 5:04
